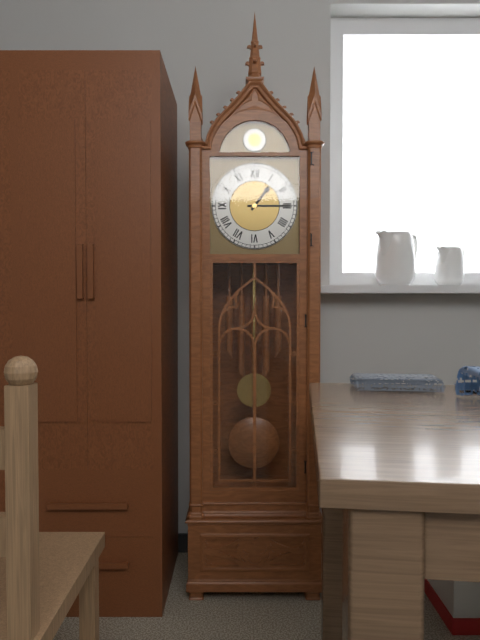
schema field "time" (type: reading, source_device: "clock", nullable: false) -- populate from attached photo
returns 1:15
